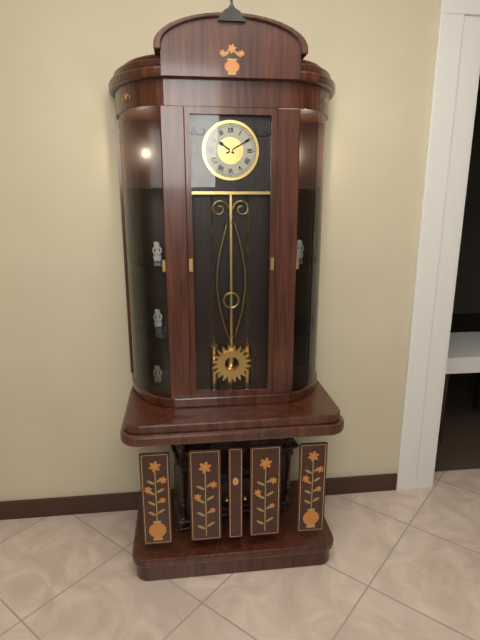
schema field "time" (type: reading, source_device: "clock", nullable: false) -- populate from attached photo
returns 10:10
